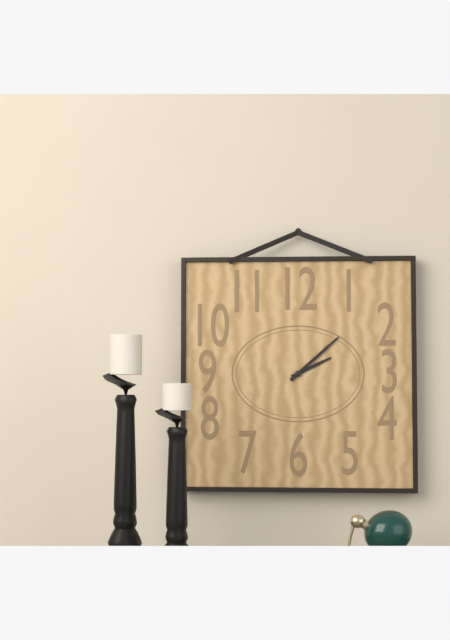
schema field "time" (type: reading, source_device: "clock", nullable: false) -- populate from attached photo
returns 2:08
